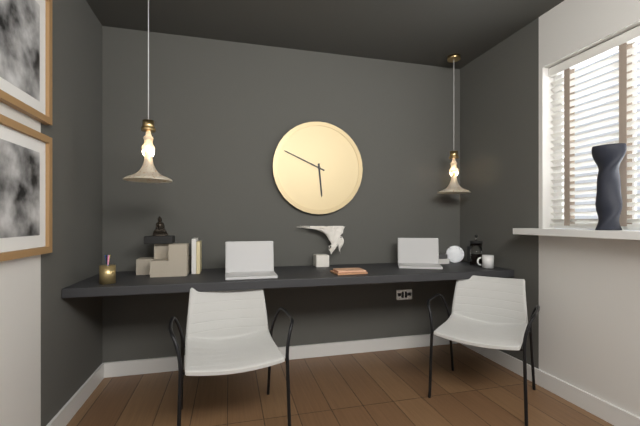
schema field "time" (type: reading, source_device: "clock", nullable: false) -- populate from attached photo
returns 5:49
